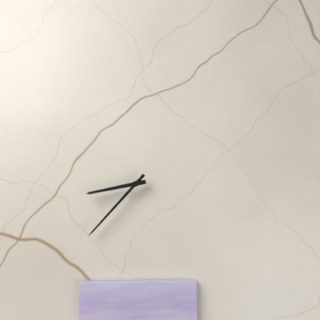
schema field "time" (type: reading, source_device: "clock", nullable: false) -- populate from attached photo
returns 8:37
